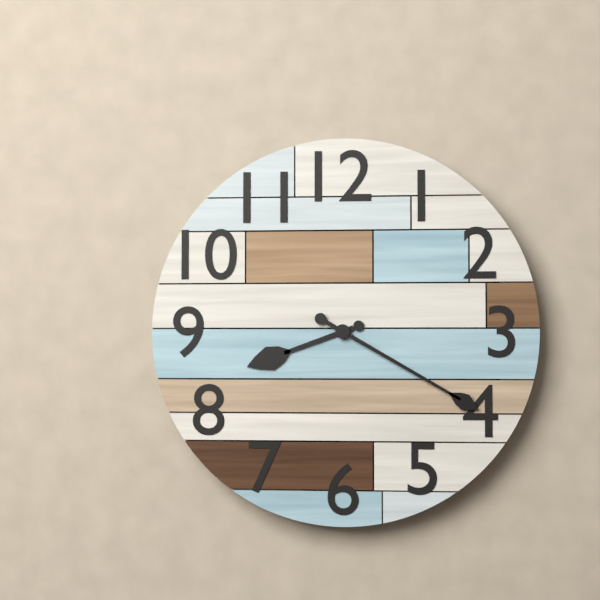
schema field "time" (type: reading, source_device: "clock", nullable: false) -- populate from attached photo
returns 8:20
